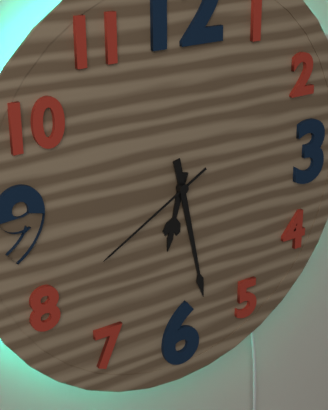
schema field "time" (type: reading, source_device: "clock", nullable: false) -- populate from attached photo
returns 6:28:40
